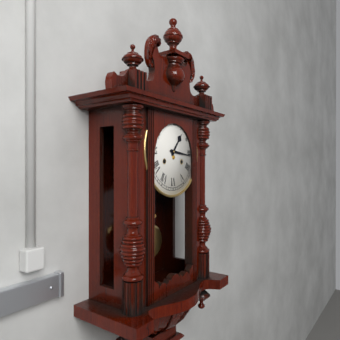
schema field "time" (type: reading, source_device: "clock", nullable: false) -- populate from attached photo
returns 1:16
